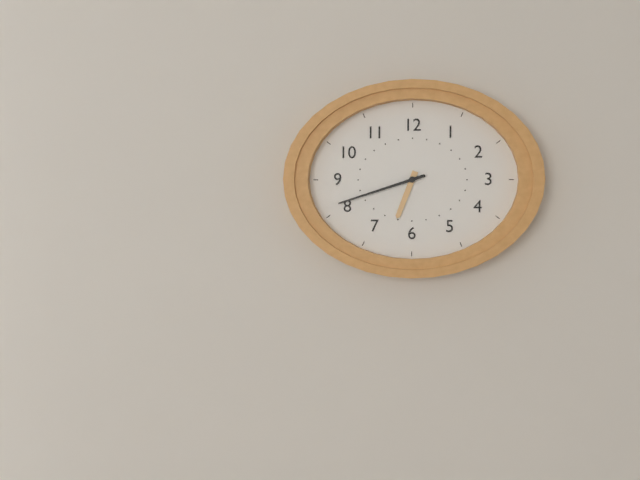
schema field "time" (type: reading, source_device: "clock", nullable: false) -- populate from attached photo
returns 6:42
